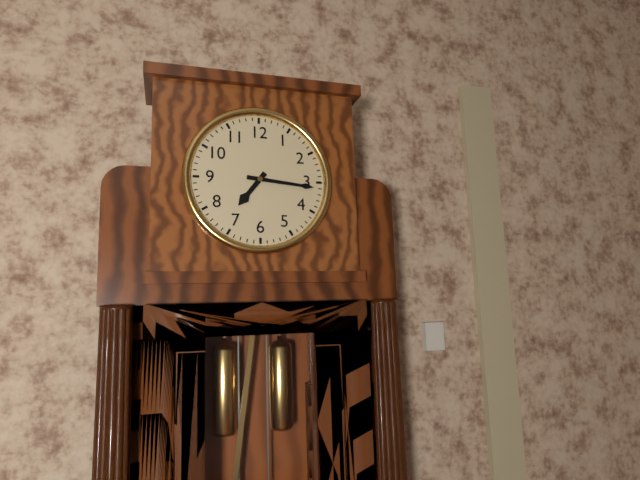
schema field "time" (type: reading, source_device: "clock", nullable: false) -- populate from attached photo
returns 7:16
